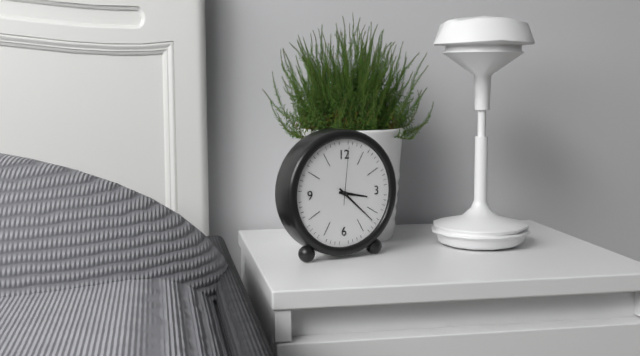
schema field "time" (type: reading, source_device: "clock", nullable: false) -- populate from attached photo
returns 3:22:01
